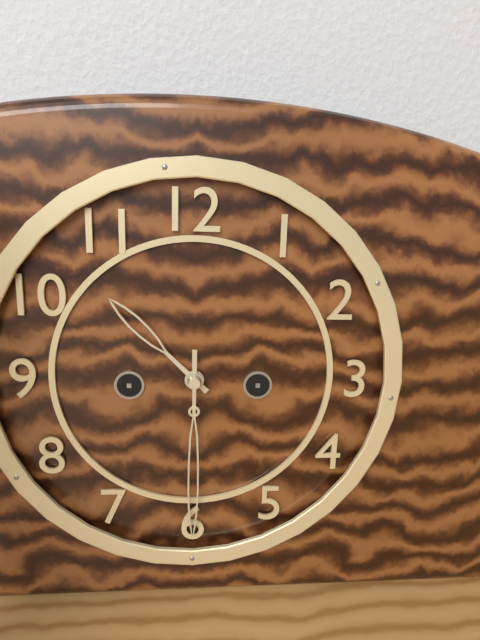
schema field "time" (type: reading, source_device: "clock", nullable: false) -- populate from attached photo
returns 10:30
